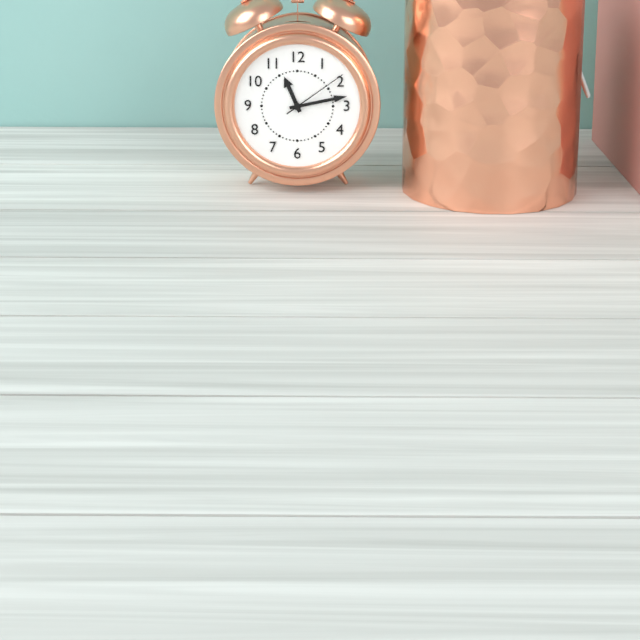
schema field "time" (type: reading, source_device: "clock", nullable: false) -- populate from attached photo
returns 11:13:09
